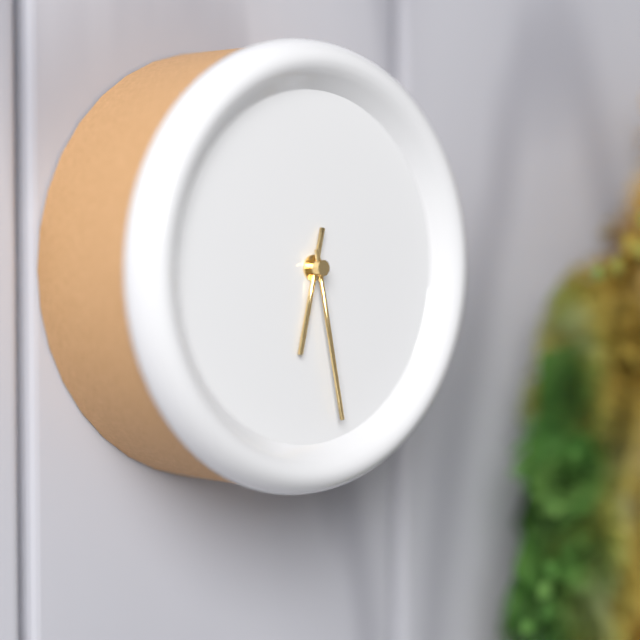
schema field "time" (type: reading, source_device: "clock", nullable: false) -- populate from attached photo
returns 6:28
